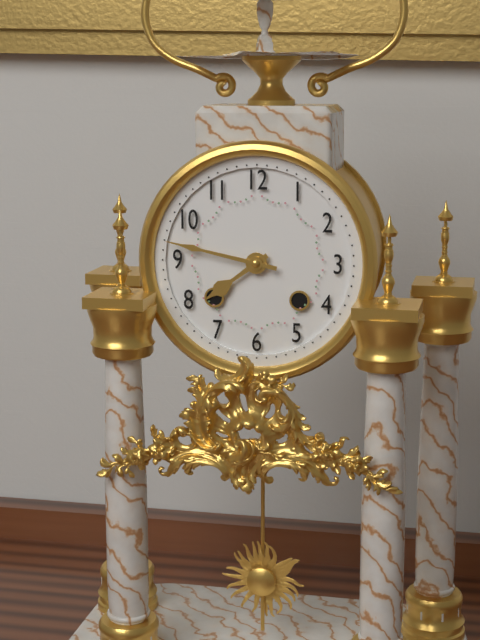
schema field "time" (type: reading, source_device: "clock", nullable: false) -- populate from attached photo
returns 7:47
